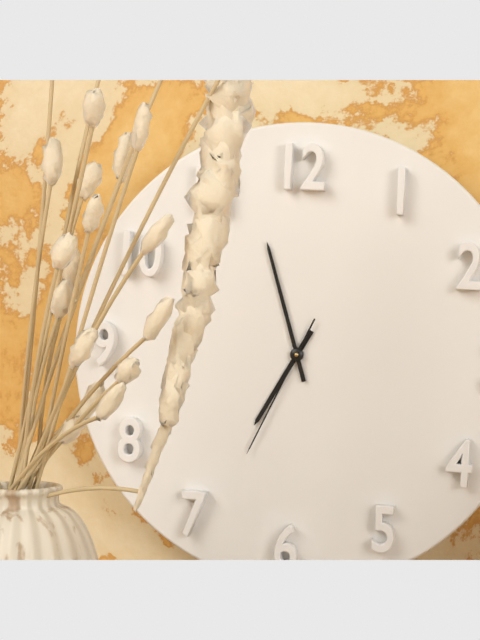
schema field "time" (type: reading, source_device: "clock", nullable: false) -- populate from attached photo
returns 6:57:34
